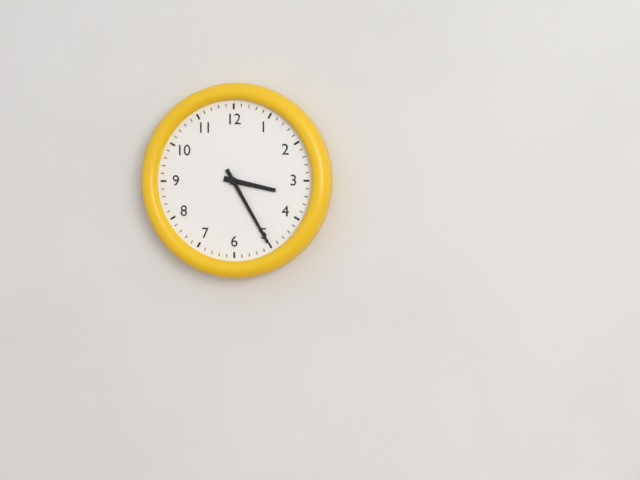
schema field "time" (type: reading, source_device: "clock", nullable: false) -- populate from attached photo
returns 3:25
